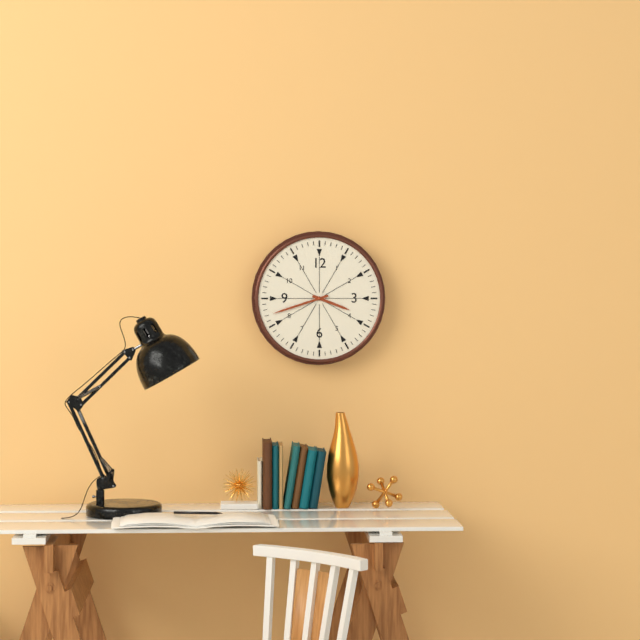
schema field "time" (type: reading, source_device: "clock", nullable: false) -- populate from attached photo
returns 3:42
